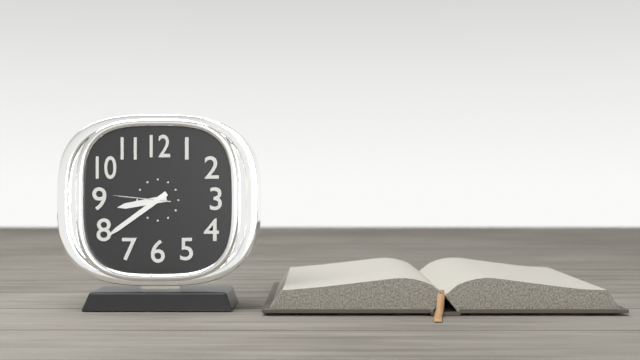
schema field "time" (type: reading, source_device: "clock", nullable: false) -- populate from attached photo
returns 8:39:46
